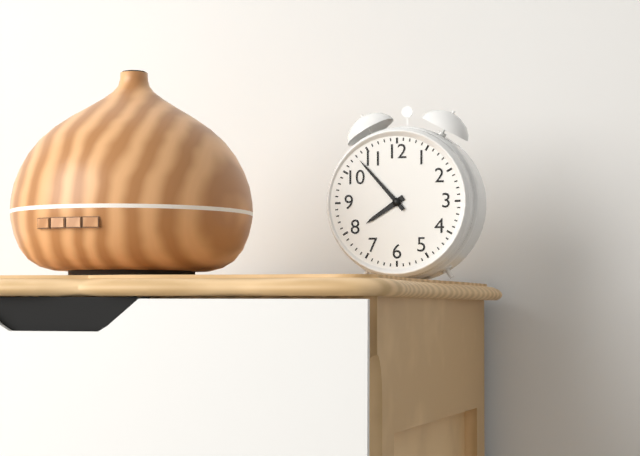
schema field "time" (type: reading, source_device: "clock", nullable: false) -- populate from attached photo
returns 7:53
